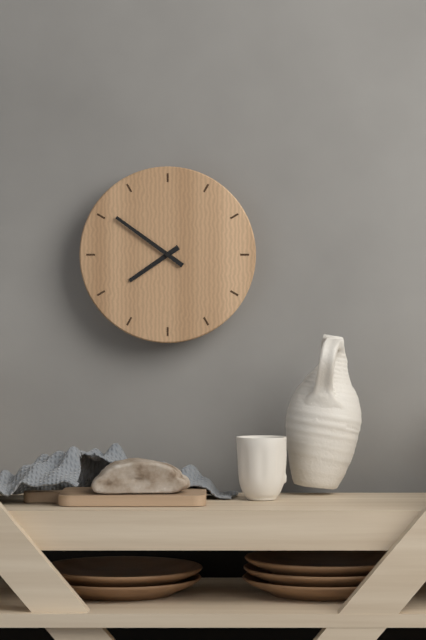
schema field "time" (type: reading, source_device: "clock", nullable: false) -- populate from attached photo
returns 7:51
